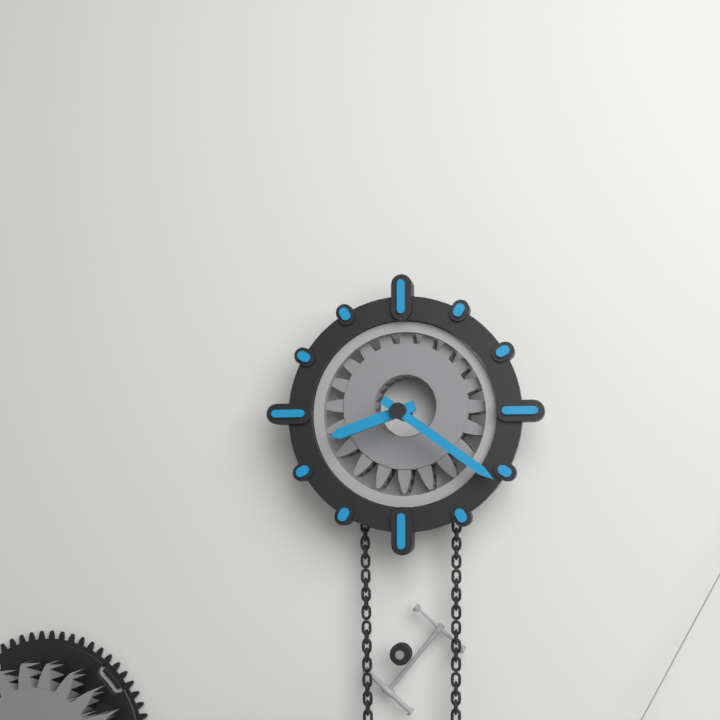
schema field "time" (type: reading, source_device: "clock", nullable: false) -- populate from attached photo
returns 8:21
